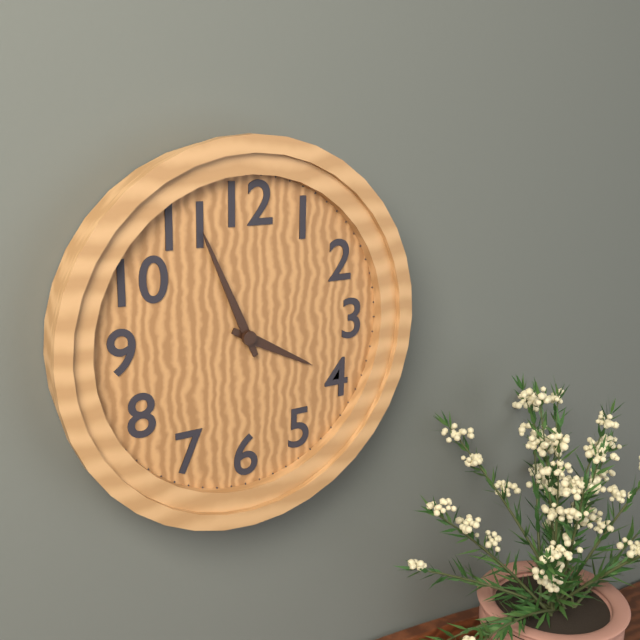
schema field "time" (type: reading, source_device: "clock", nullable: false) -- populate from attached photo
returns 3:56
